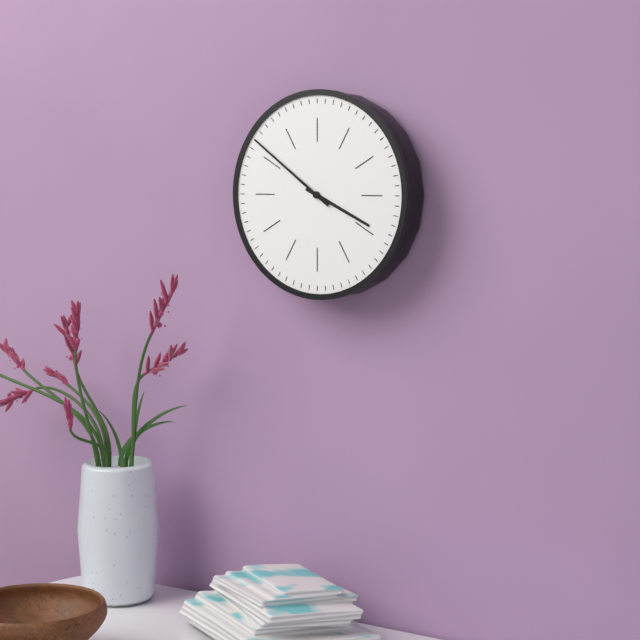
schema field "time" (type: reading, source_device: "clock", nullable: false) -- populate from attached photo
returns 3:51
